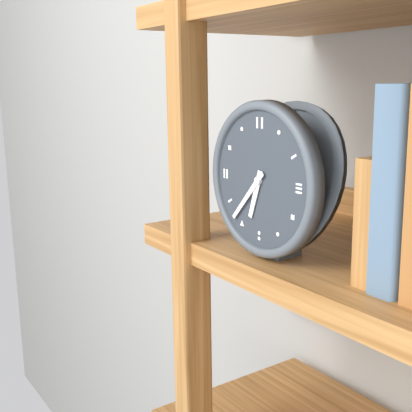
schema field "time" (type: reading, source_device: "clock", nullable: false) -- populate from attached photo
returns 6:37
